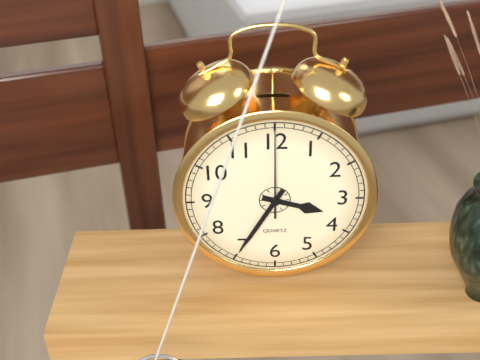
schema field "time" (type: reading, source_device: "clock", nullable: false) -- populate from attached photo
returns 3:35:00
